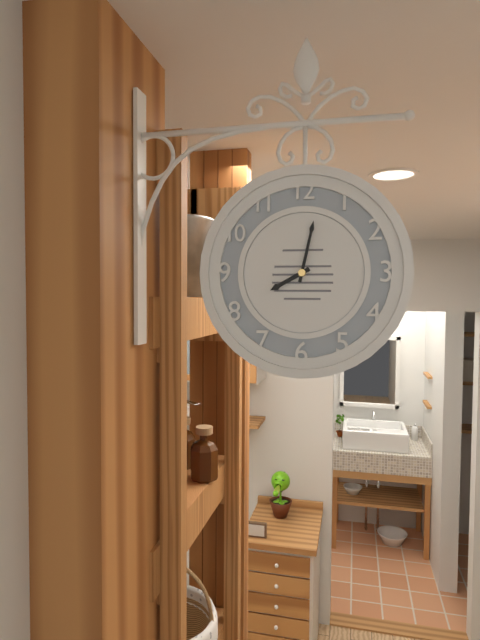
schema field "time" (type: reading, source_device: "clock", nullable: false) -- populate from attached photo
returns 8:02
